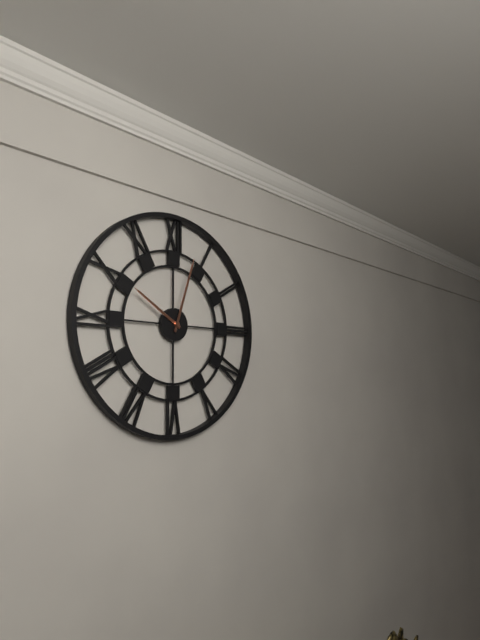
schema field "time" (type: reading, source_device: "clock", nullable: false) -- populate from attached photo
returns 10:03
